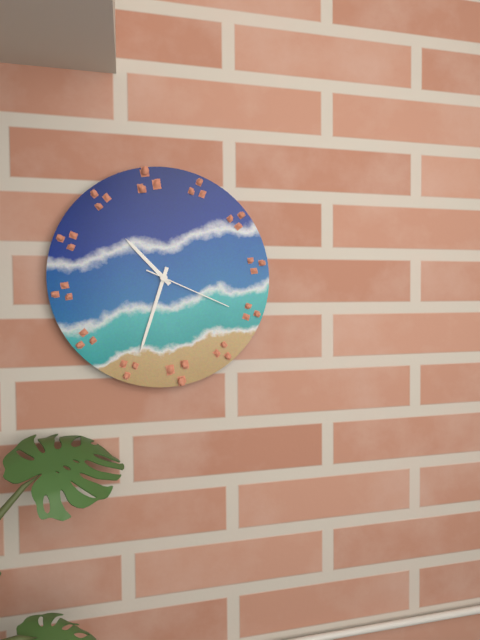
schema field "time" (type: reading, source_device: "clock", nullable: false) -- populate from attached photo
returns 10:33:19
